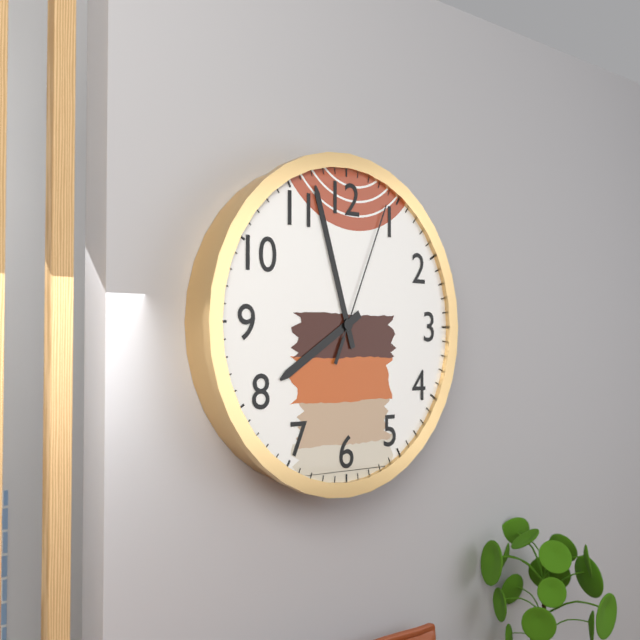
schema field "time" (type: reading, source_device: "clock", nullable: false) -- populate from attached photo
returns 7:57:04
